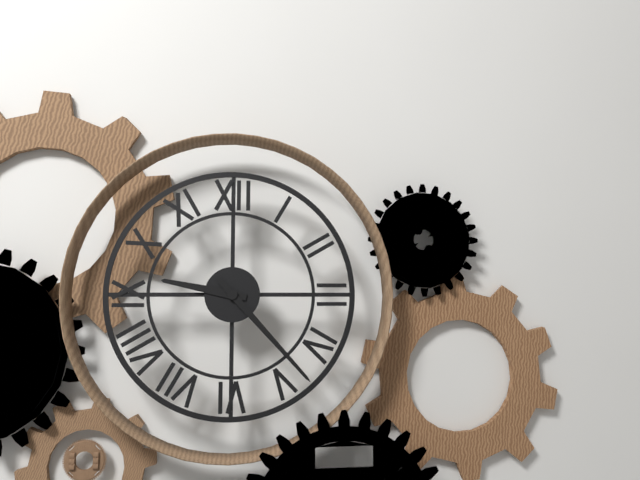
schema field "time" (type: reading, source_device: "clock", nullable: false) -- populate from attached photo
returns 9:23
